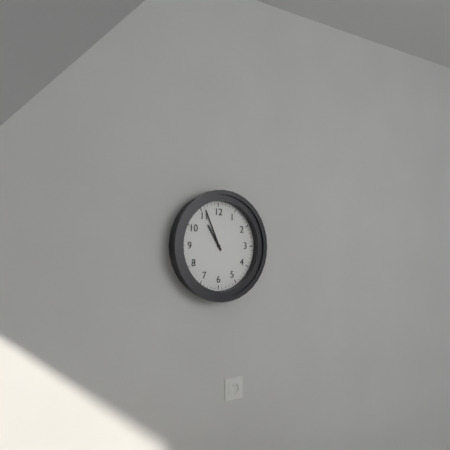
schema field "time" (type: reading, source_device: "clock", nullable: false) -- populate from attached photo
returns 10:56
